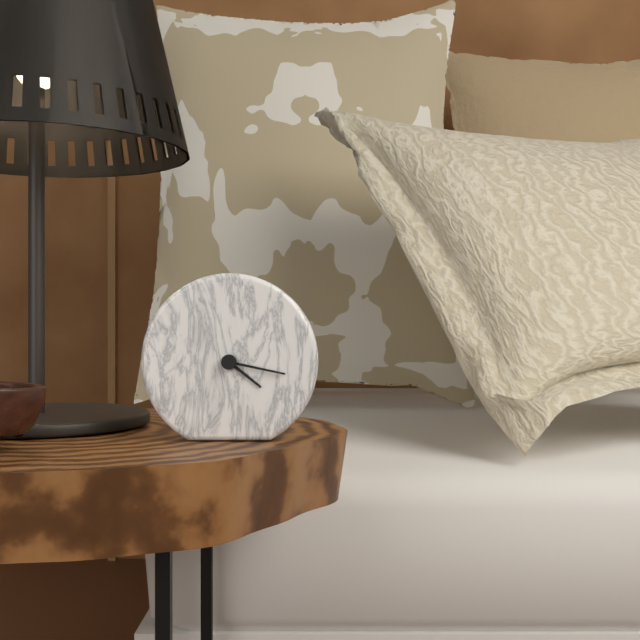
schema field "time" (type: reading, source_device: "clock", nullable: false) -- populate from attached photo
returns 4:17
